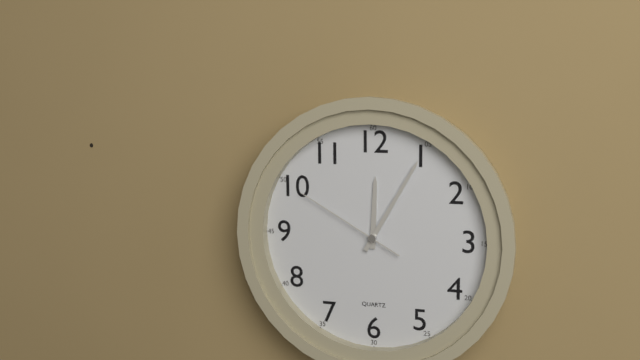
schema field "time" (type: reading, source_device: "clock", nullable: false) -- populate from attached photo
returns 12:05:50
